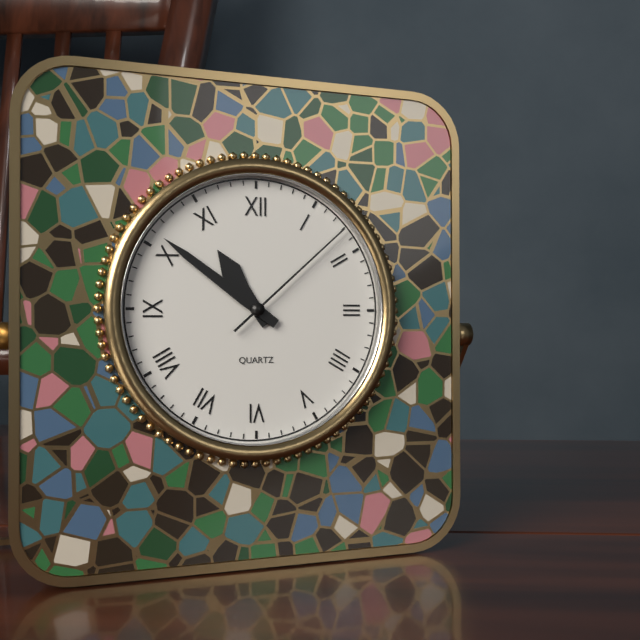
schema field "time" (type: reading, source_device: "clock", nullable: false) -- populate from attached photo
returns 10:51:08
